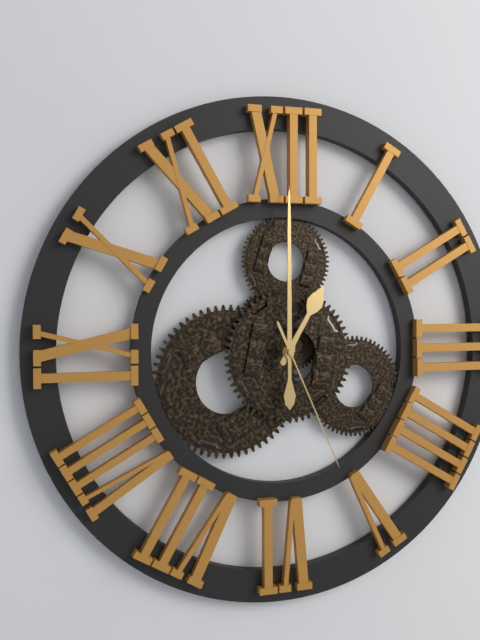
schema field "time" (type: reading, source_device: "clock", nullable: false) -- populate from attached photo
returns 1:00:26
